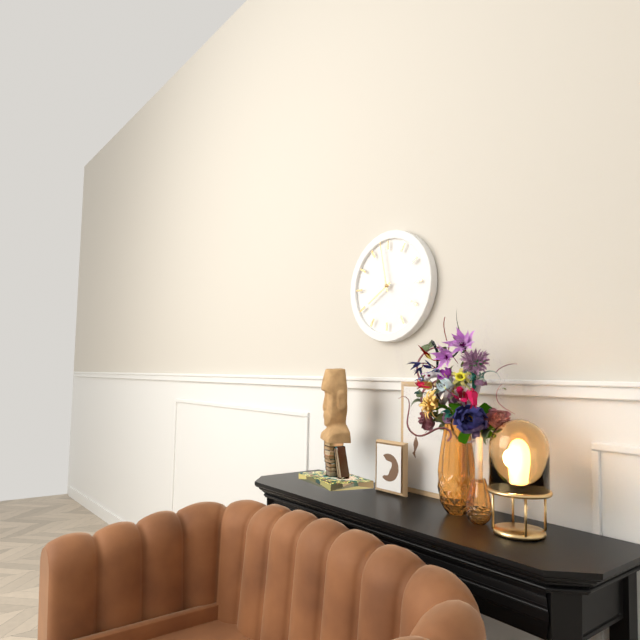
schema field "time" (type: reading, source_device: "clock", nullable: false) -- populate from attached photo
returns 7:58
